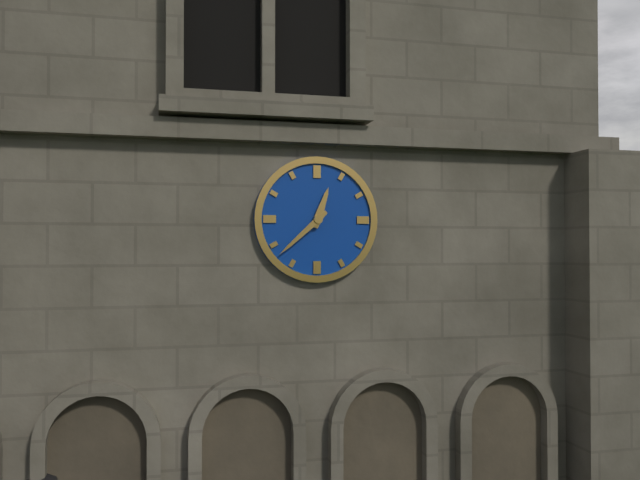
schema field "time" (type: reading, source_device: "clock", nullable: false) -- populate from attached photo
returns 12:38
